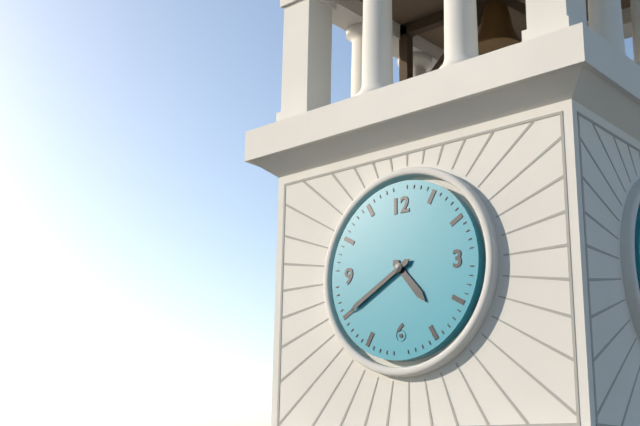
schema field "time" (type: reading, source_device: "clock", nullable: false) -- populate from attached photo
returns 4:40
